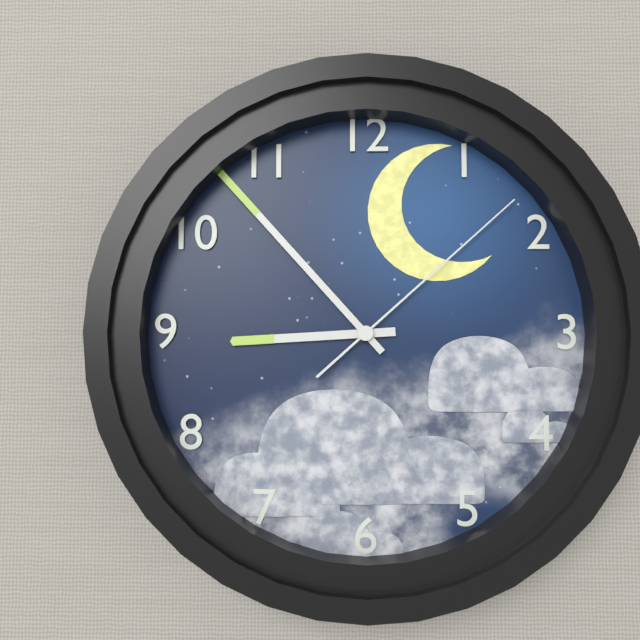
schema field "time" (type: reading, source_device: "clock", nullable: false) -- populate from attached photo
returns 8:53:08
